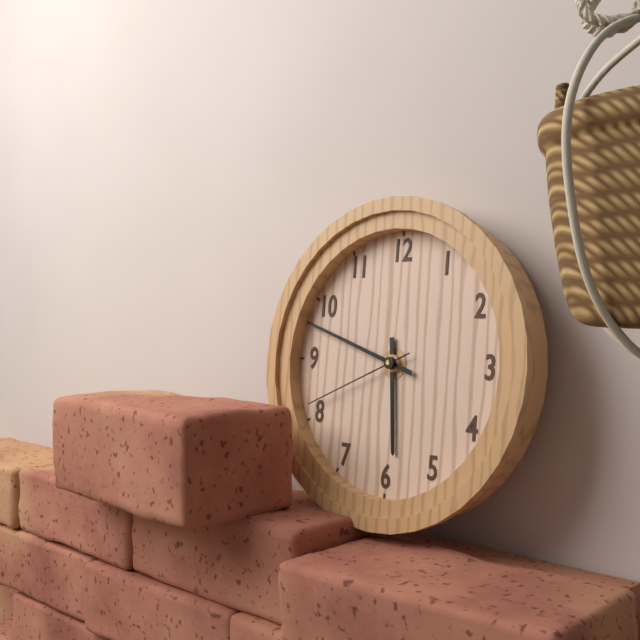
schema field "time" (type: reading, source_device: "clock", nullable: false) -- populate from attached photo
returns 5:48:41
